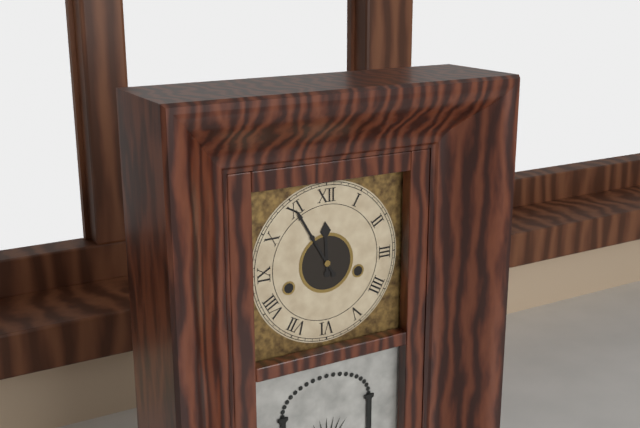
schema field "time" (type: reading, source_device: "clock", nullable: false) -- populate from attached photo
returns 11:55
